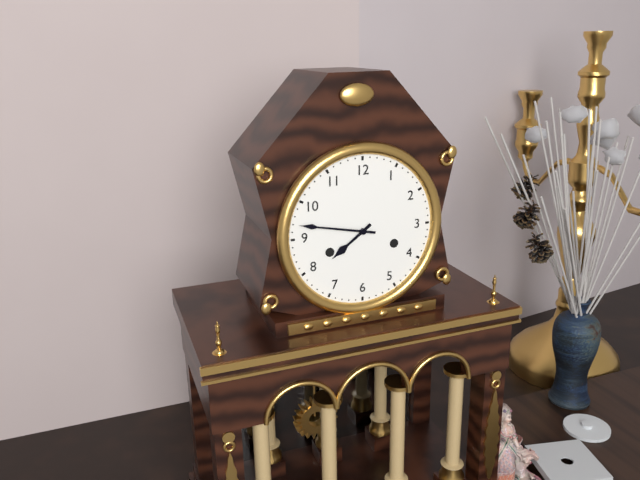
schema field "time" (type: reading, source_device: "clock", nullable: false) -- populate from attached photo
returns 7:47
